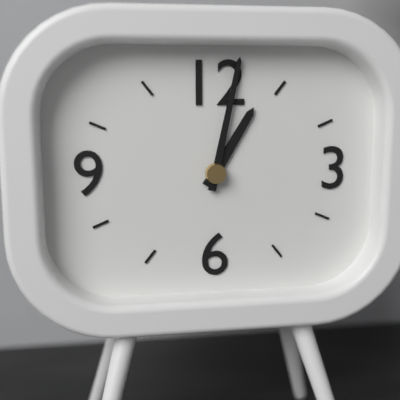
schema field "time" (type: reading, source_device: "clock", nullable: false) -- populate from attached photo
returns 1:02
